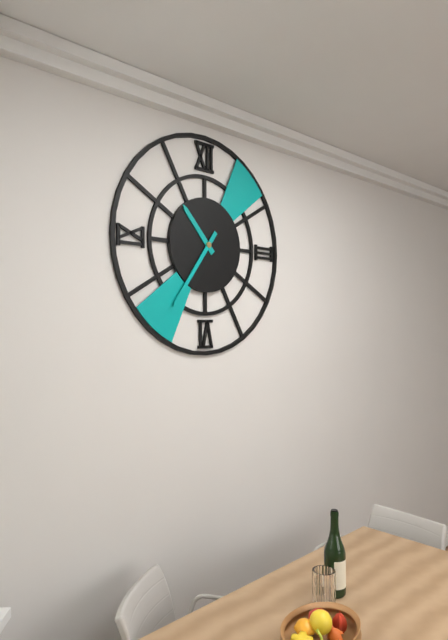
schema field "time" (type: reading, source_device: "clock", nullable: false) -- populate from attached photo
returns 10:36
